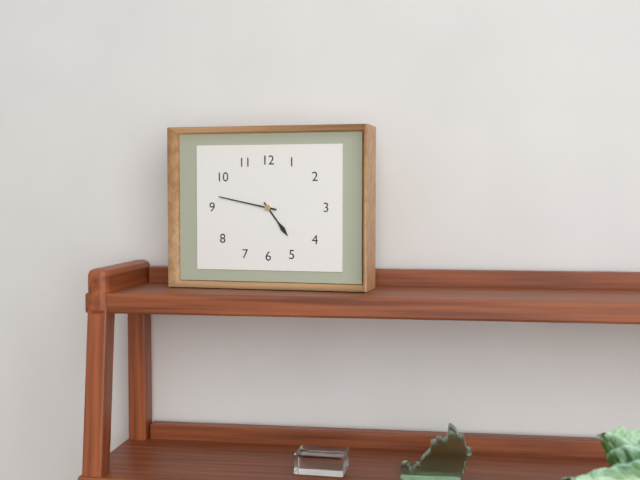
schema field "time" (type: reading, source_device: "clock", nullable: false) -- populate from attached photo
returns 4:47
